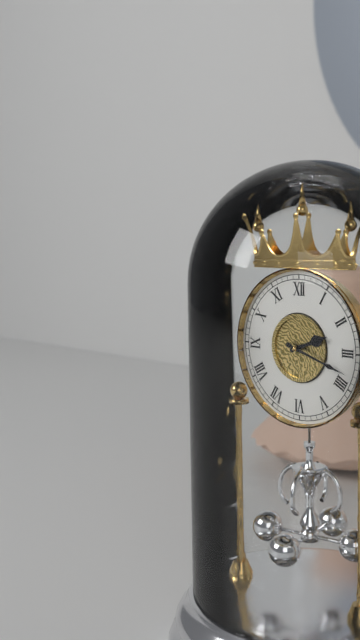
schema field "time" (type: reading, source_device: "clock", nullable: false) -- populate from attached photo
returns 2:18
